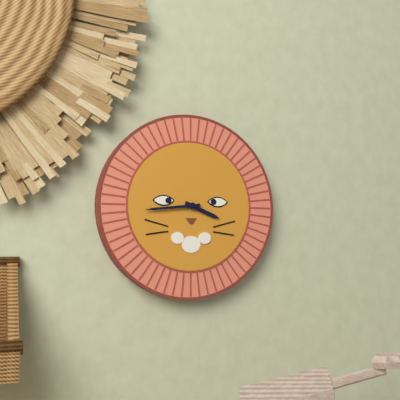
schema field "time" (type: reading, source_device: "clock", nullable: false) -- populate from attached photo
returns 3:44
